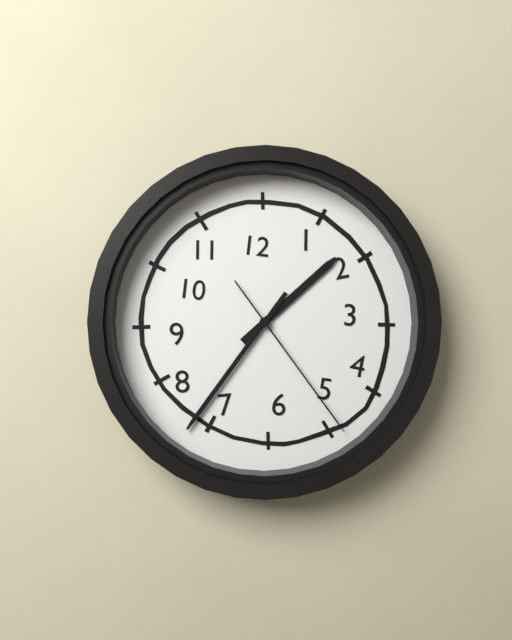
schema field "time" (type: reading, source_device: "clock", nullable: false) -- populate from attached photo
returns 1:36:24
